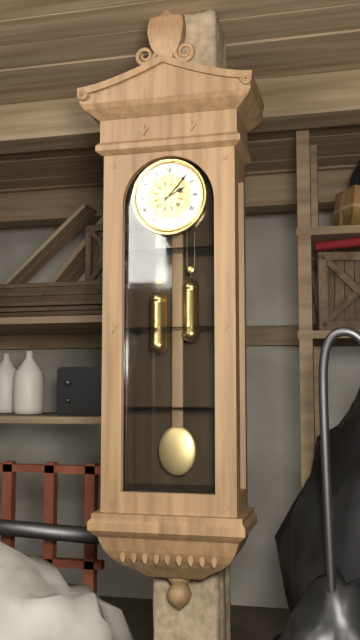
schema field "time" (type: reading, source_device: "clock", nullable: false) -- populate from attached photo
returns 2:07
